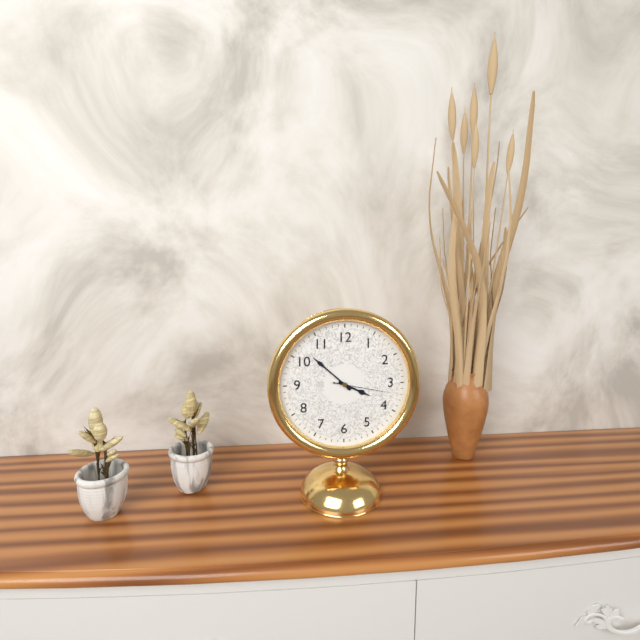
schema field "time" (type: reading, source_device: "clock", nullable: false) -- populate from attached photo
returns 3:52:17
